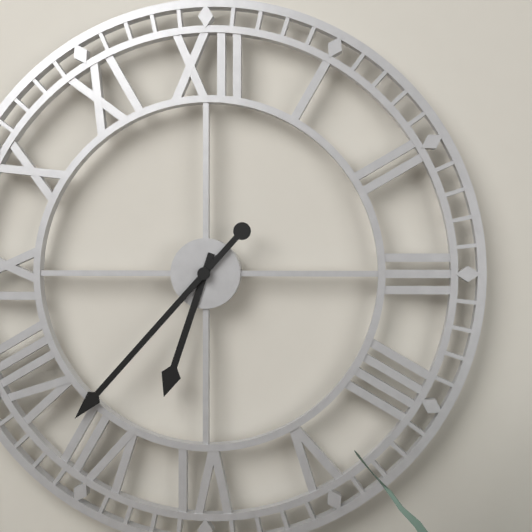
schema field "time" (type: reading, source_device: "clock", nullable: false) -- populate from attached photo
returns 6:37
